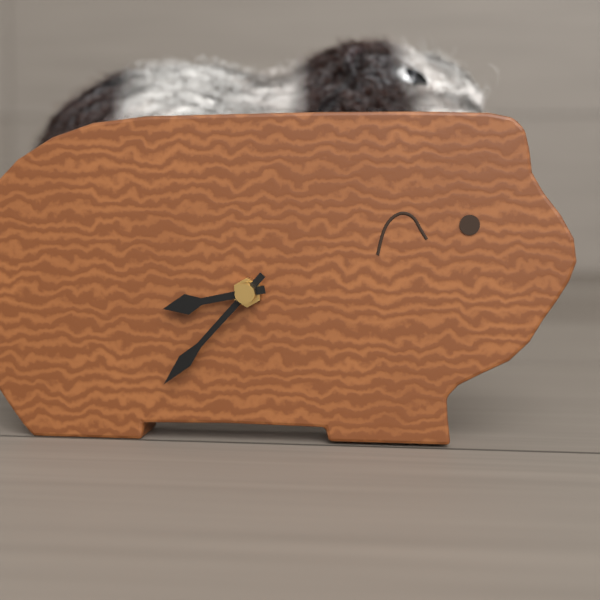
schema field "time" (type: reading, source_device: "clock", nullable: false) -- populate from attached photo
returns 8:37
